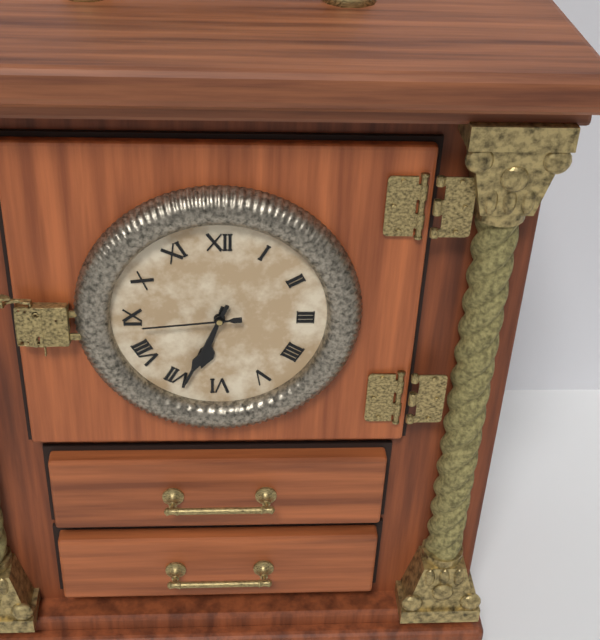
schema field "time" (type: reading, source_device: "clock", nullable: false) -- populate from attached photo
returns 6:34:44
